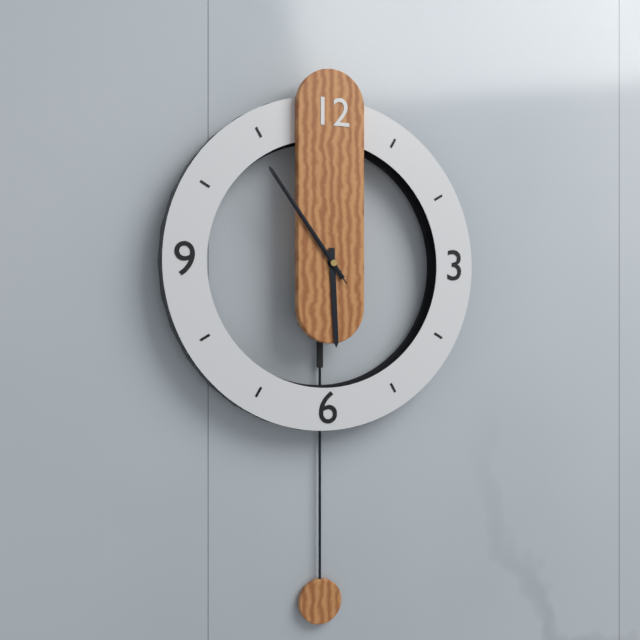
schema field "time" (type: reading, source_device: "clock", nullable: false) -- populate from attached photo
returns 5:54:54
